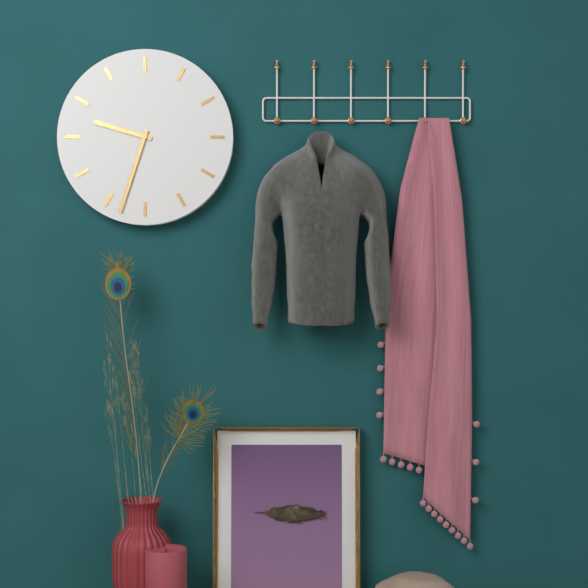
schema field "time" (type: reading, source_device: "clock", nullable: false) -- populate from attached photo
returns 9:33
